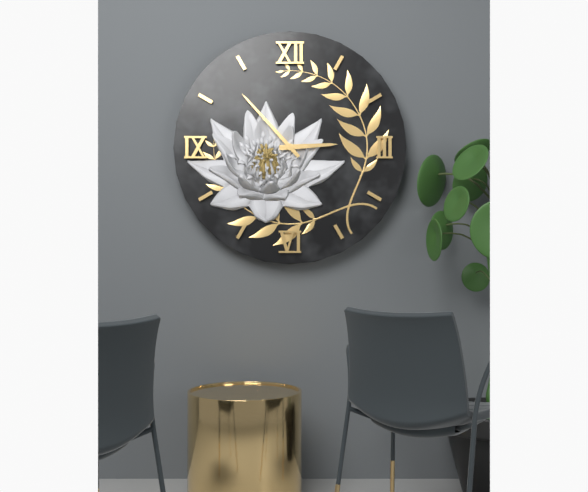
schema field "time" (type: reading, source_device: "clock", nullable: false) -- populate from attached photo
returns 2:53
